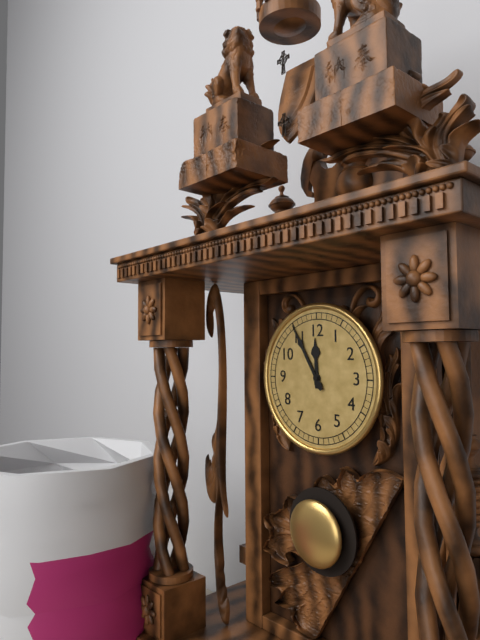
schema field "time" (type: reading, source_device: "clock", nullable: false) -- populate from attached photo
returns 11:55
